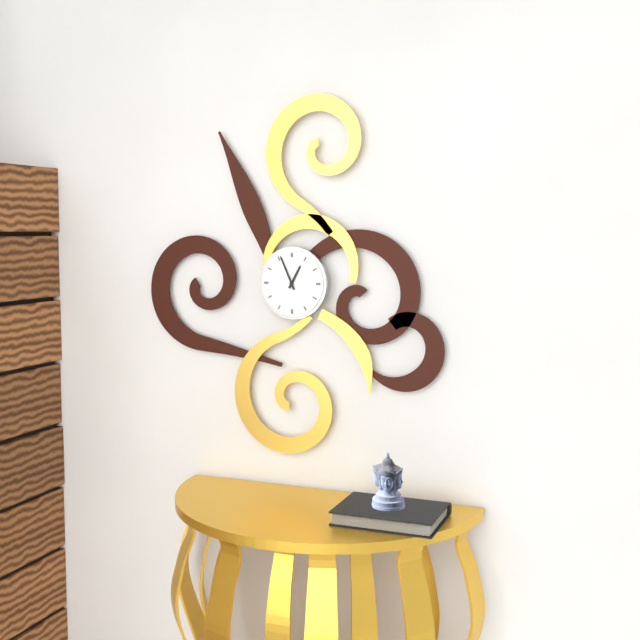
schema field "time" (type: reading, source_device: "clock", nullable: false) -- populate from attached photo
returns 12:56
